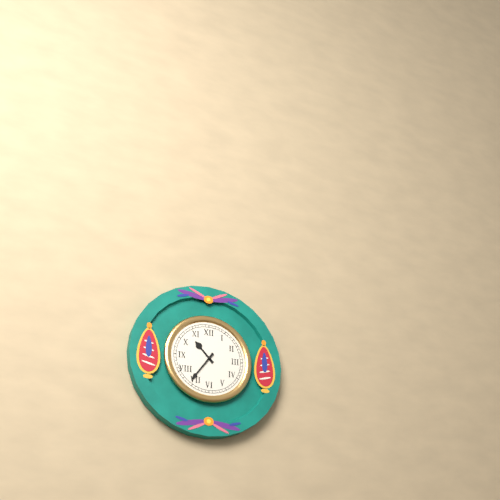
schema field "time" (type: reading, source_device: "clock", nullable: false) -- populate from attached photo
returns 10:36
